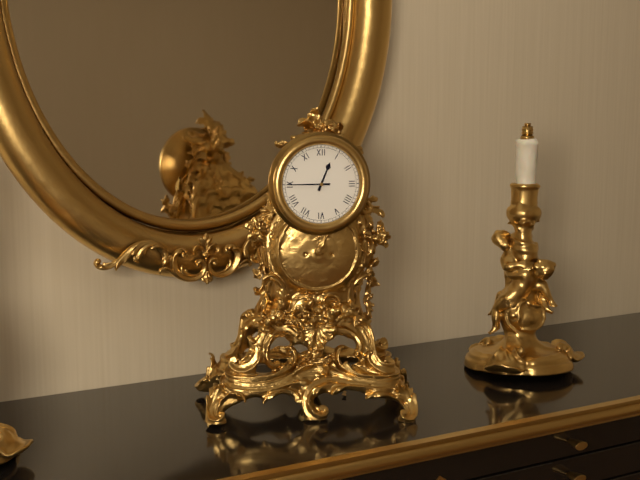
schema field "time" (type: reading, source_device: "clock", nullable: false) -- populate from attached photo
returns 12:45
